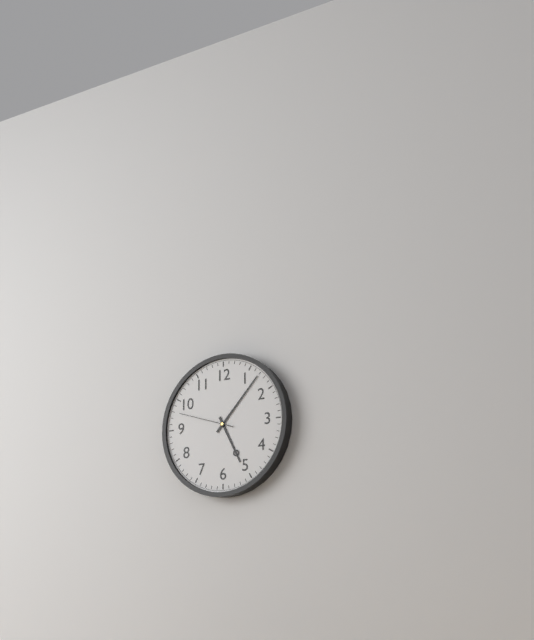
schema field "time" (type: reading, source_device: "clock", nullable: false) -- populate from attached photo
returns 5:07:48
